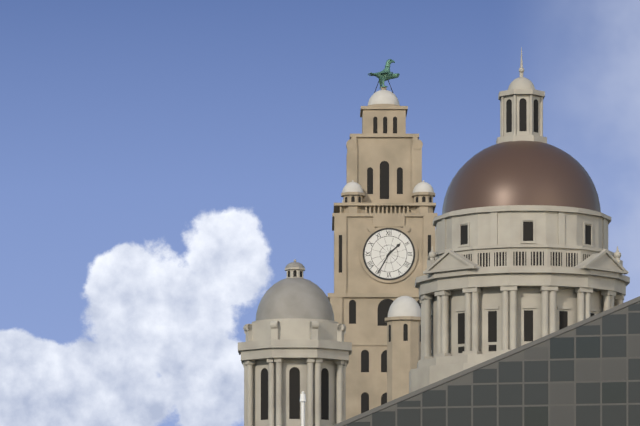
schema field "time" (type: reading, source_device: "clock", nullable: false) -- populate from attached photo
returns 1:35
